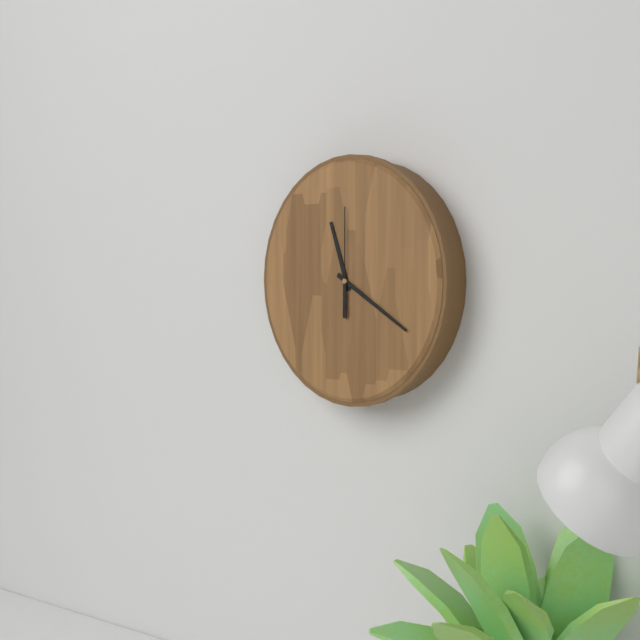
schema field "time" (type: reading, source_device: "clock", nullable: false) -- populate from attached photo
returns 11:20:00
